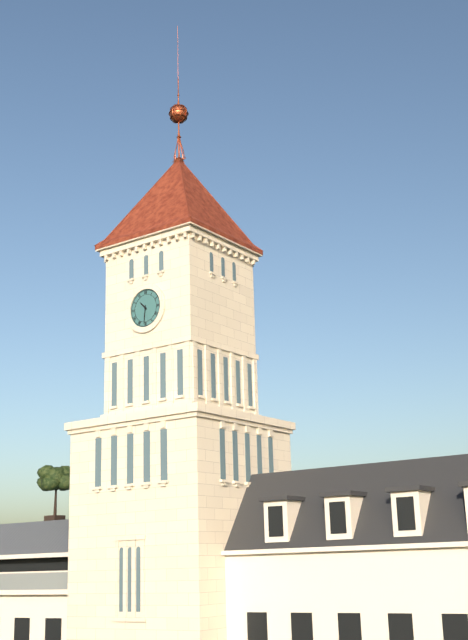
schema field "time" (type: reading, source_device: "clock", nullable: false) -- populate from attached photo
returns 10:31
